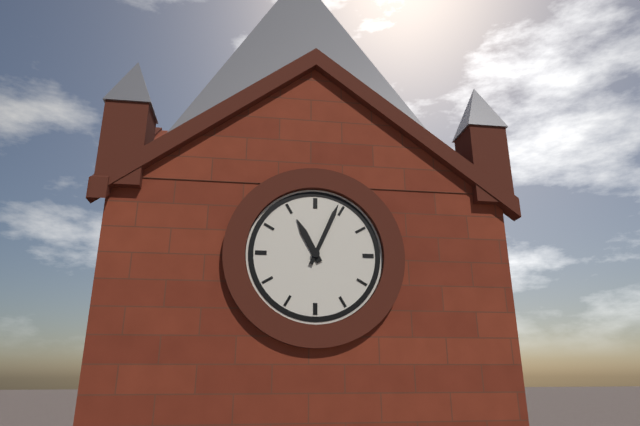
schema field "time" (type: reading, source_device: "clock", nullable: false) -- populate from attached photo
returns 11:04
